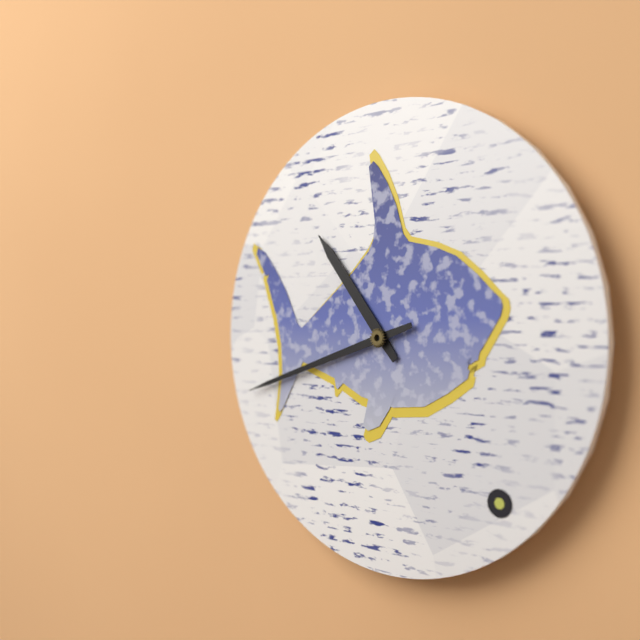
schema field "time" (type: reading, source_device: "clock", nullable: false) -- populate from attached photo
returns 10:42
